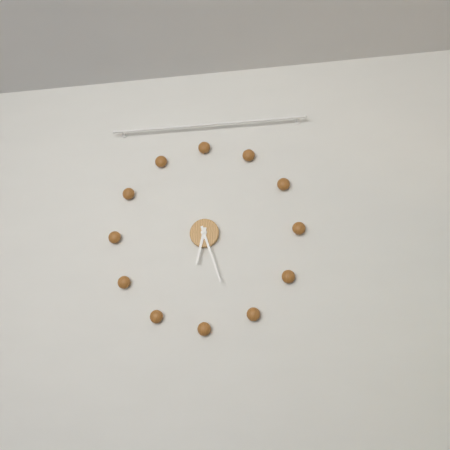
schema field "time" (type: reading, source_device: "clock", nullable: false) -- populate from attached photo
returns 6:27
